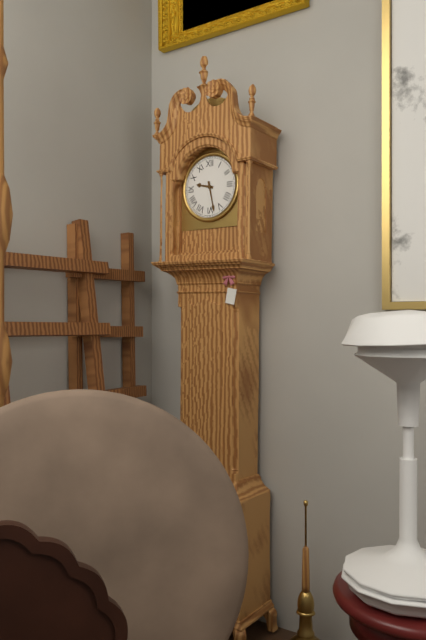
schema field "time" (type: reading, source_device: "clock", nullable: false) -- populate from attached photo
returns 9:28
